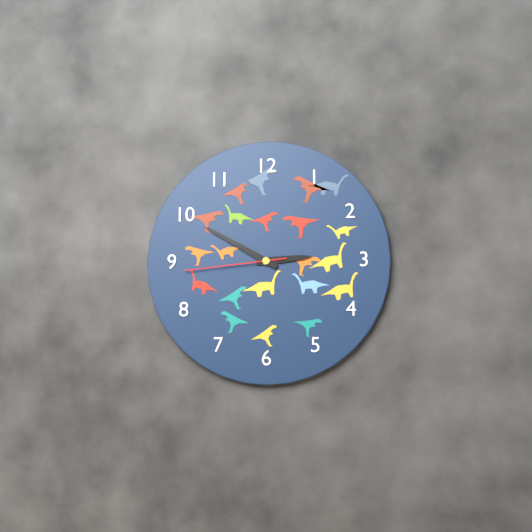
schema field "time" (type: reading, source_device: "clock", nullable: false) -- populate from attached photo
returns 2:50:44
